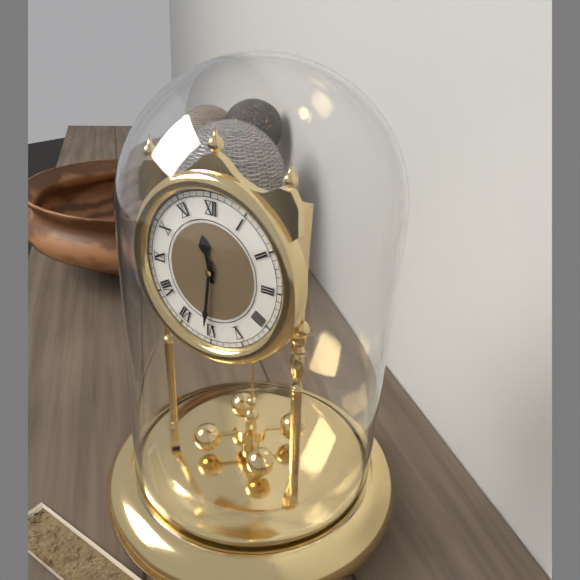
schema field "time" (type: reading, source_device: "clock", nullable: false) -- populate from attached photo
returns 11:31
